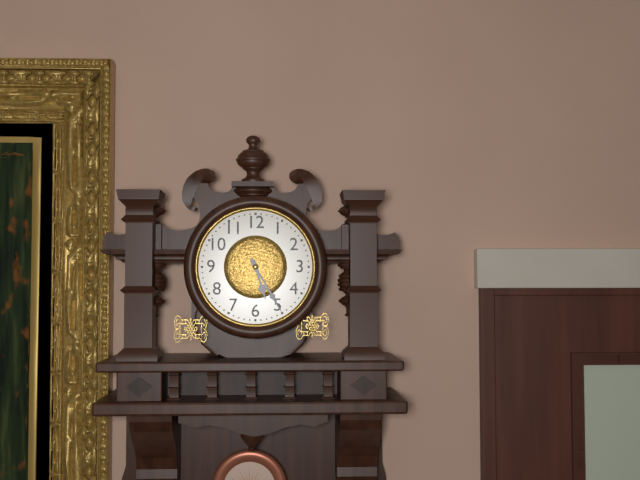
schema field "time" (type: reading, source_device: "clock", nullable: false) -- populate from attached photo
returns 5:25
